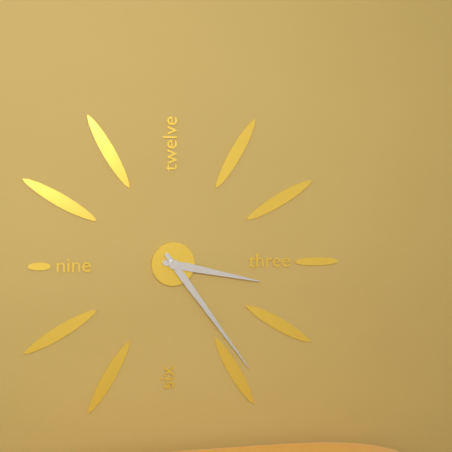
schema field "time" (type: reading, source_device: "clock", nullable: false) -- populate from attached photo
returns 3:24
